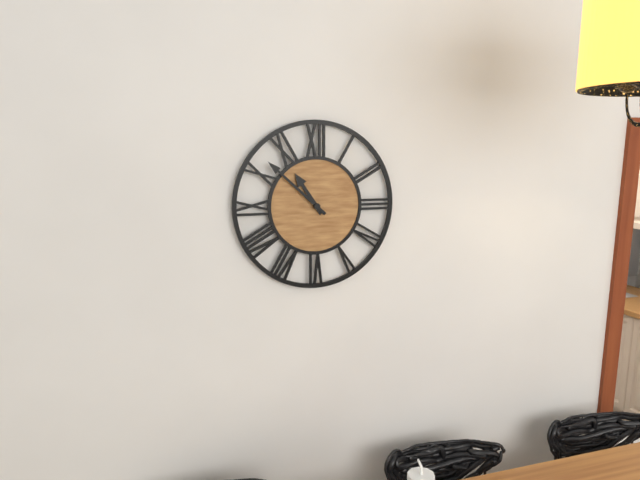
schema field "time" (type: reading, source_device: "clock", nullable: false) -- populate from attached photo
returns 10:52
